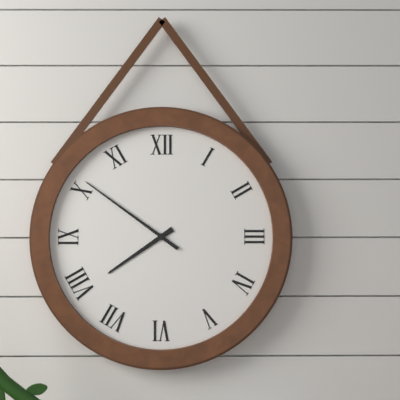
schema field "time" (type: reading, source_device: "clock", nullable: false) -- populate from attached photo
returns 7:51
